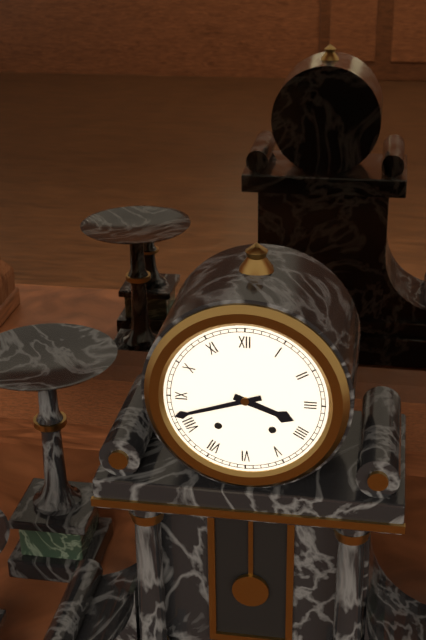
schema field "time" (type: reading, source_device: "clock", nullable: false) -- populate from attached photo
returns 3:42
